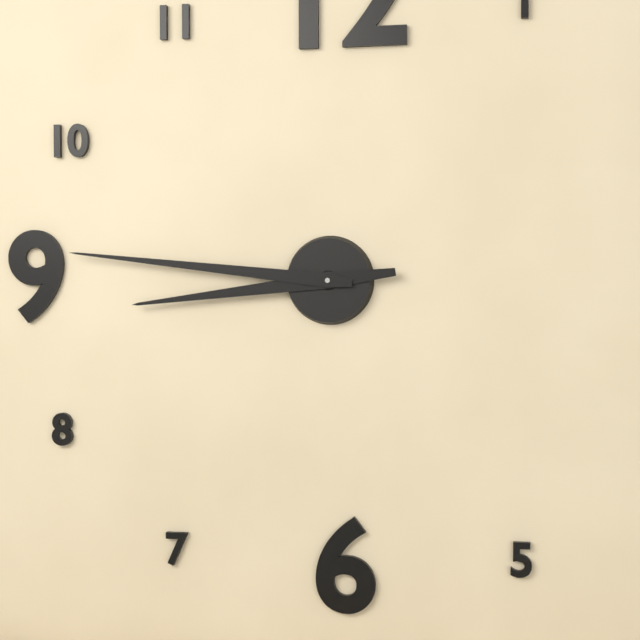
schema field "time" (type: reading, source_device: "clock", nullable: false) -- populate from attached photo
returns 8:46
